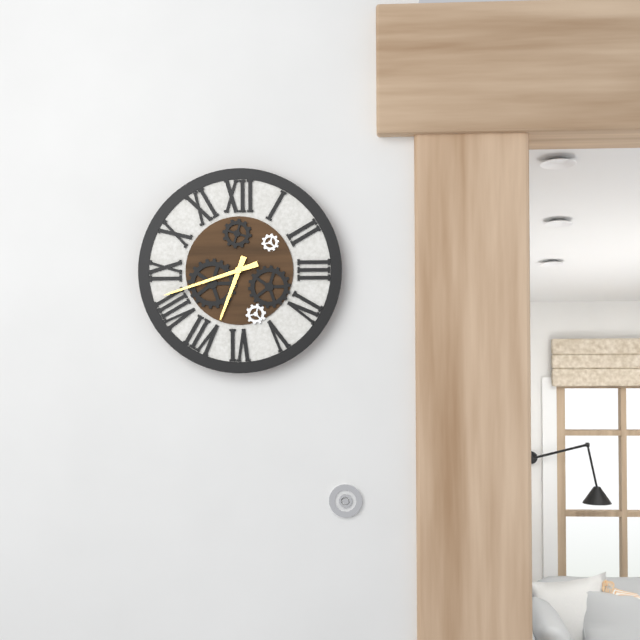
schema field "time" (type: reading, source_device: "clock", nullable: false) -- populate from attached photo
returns 6:42
